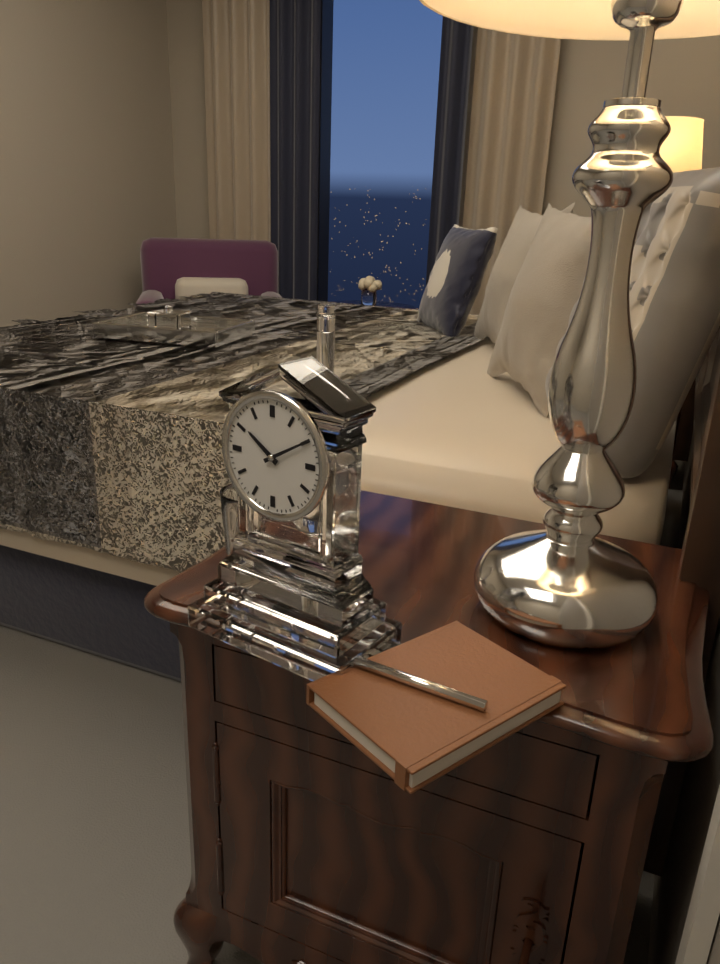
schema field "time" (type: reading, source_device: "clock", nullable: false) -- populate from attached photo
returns 10:10
